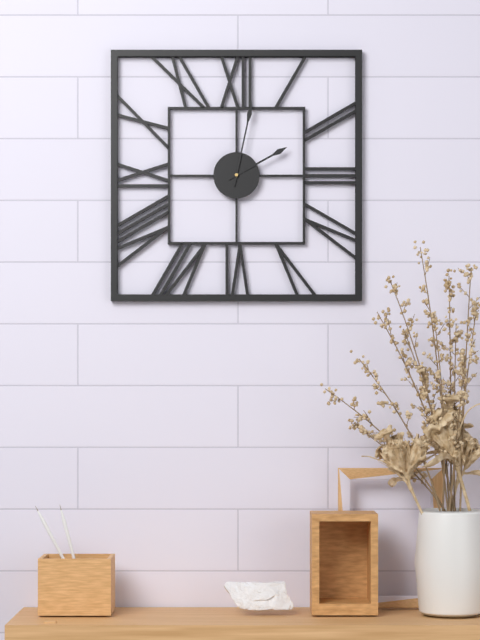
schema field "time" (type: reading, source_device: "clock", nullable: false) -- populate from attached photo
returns 2:02
